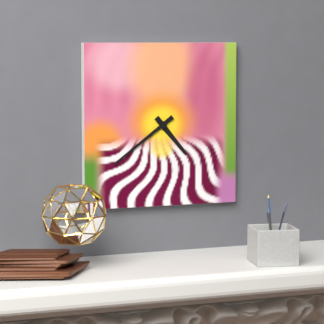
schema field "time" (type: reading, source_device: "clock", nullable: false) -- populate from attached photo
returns 4:39
